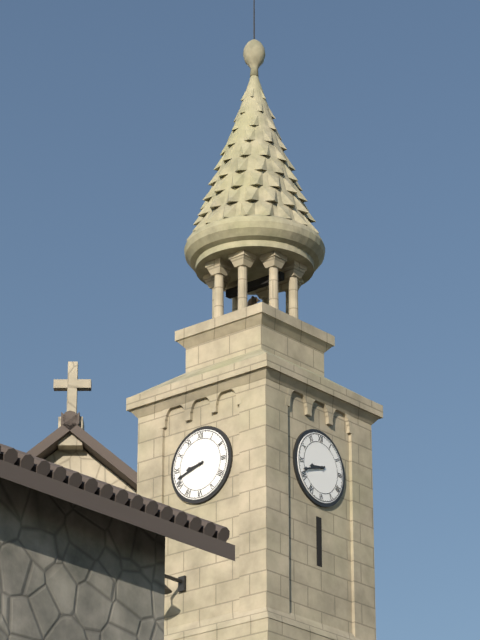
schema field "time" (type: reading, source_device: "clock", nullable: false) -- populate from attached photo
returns 8:42
